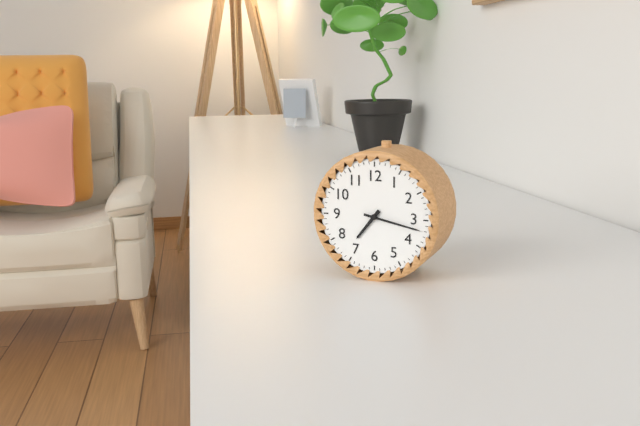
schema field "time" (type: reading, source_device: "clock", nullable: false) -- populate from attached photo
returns 7:17
